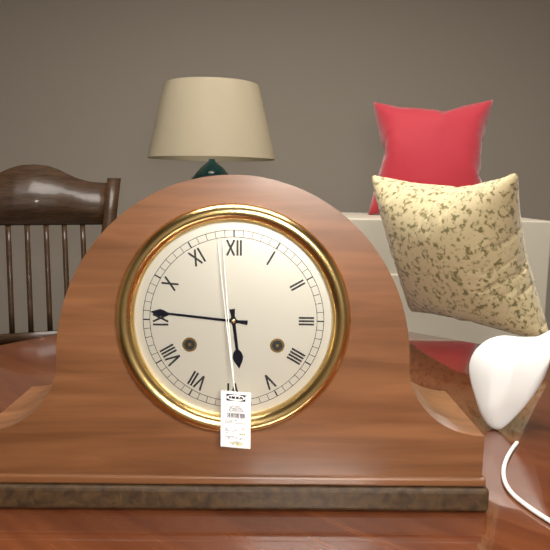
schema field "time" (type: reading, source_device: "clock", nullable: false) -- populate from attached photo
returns 5:46
